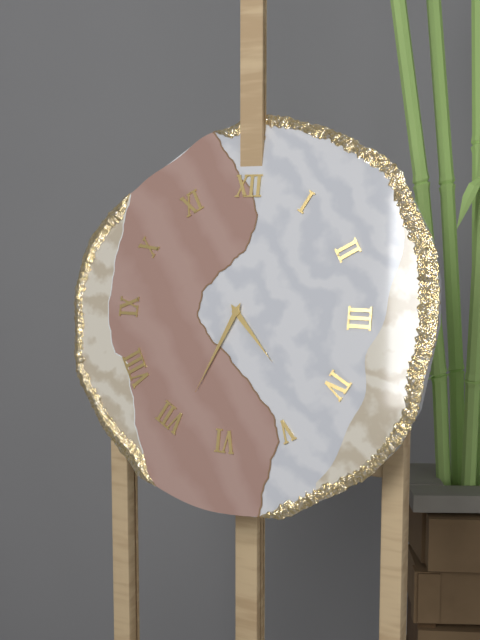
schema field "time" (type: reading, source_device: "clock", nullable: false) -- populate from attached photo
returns 4:34
